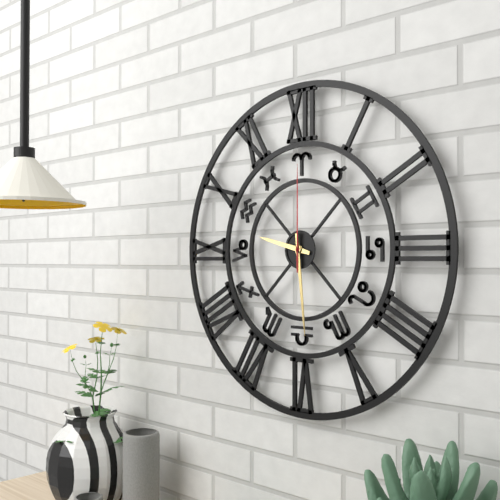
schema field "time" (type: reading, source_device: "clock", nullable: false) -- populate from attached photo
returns 9:29:00
